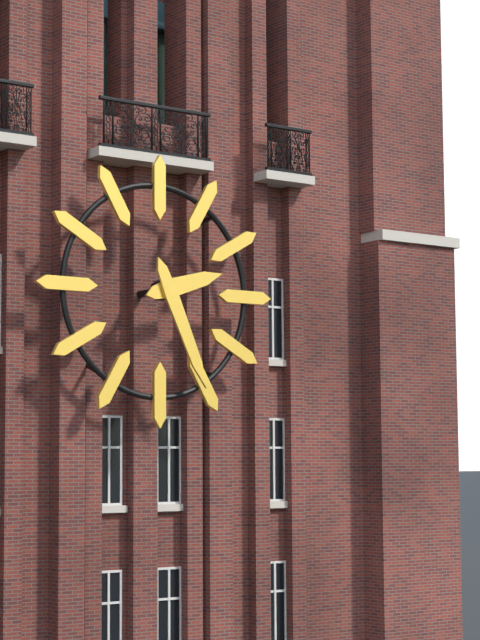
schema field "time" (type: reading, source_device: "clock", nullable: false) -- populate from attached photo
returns 2:26
